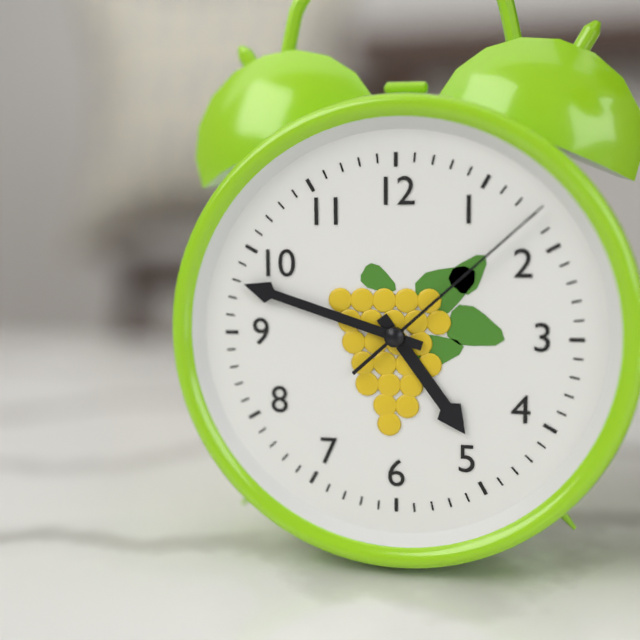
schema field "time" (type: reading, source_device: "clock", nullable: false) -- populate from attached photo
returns 4:48:08
